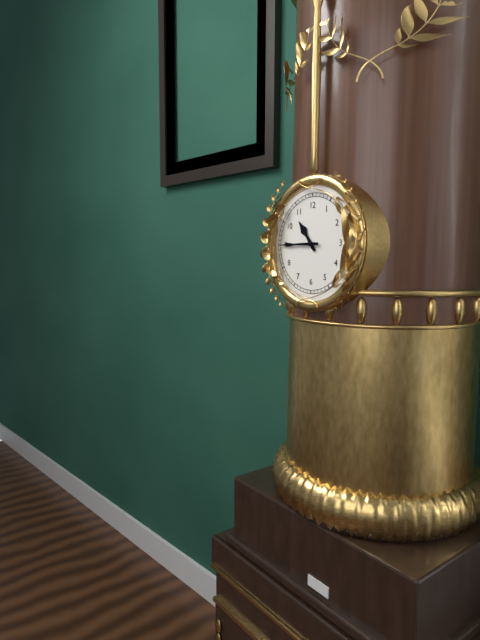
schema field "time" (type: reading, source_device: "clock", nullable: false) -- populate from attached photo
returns 10:45
